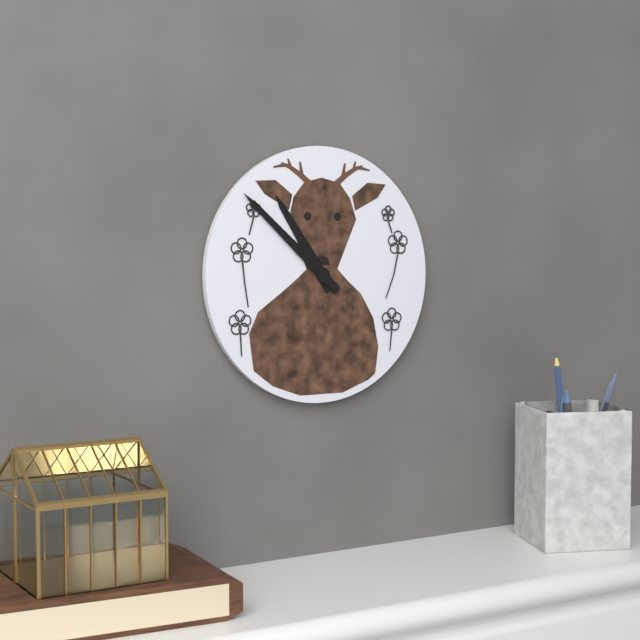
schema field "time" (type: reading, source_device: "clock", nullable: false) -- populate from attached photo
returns 10:52
